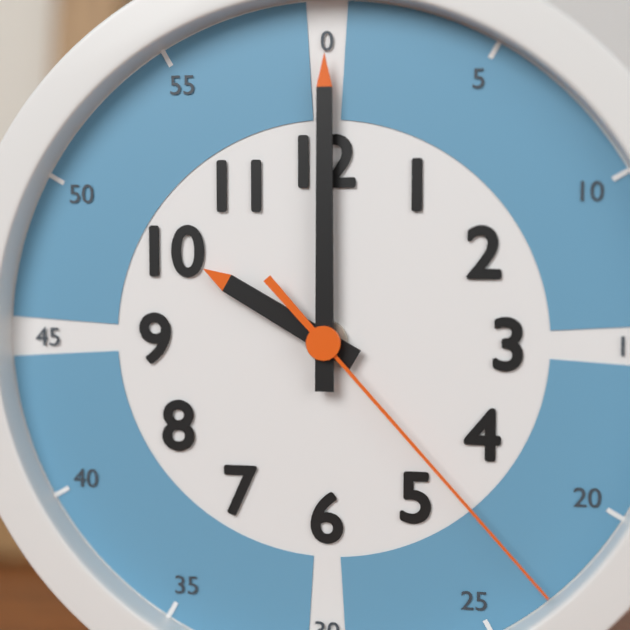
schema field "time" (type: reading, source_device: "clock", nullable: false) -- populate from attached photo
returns 10:00:23
